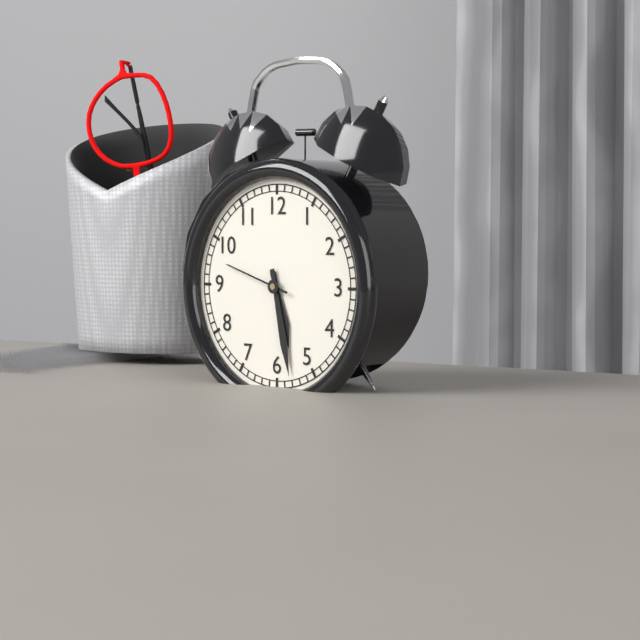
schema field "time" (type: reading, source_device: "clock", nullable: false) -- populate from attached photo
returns 5:28:48
